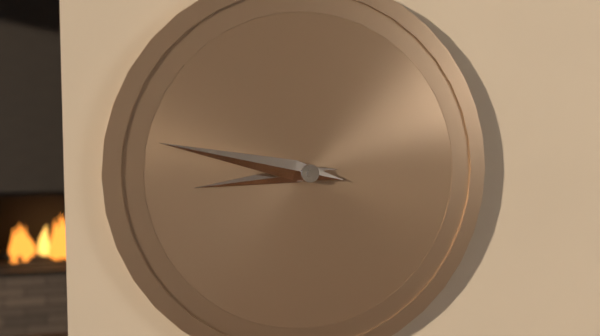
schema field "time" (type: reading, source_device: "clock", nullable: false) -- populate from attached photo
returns 8:47
